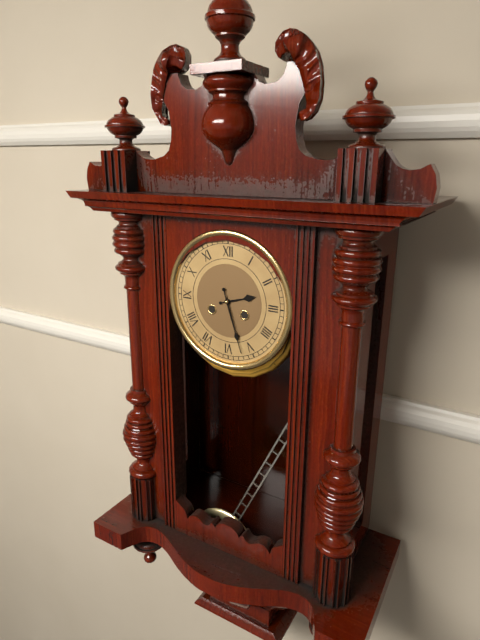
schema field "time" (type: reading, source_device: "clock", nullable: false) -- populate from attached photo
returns 2:27
